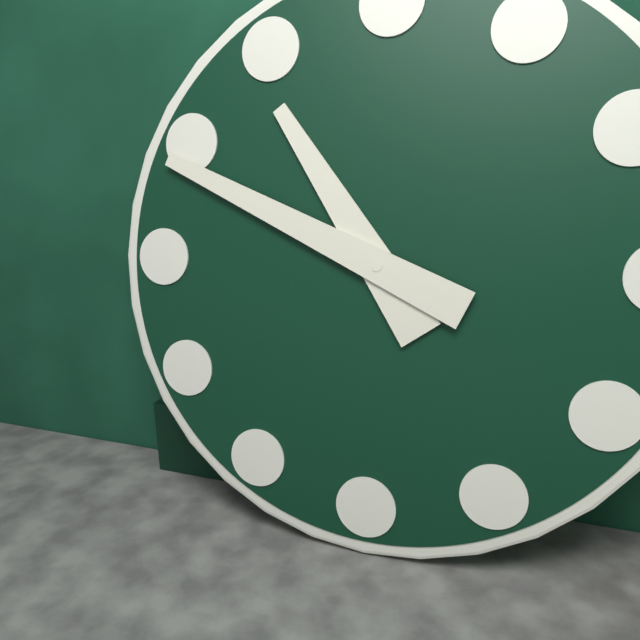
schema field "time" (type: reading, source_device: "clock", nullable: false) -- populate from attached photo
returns 10:49
